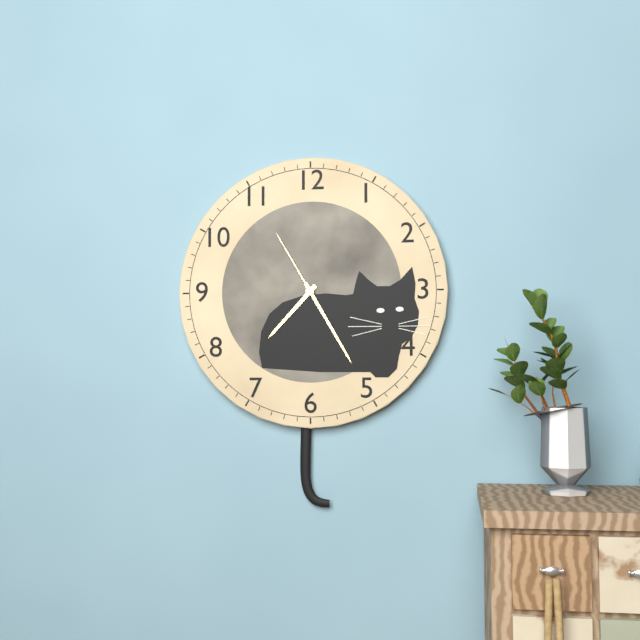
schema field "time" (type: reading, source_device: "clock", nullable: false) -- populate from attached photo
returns 7:25:55
